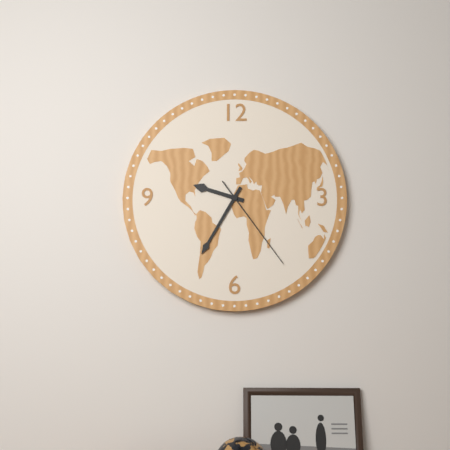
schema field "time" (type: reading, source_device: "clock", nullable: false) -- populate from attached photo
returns 9:35:24
